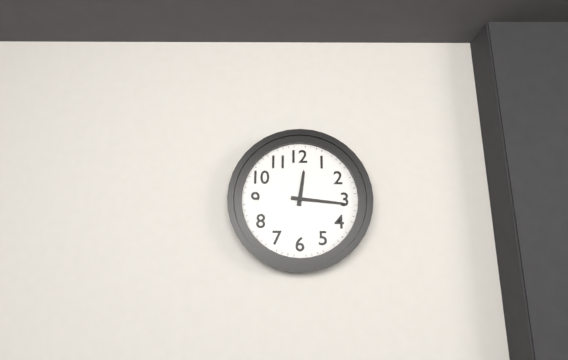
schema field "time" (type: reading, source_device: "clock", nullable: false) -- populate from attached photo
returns 12:16
